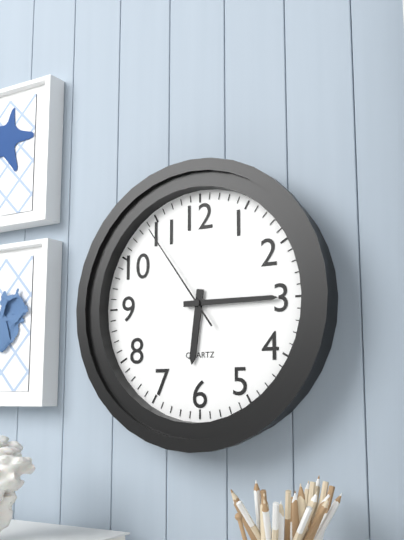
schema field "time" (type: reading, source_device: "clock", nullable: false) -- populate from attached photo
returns 6:15:54
